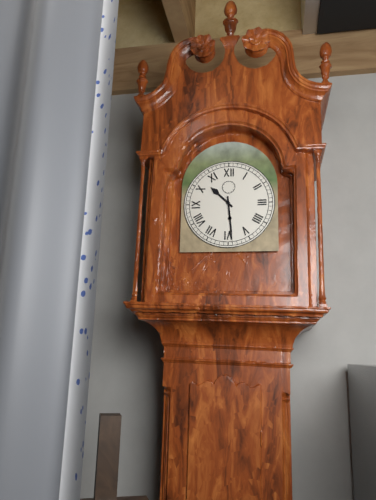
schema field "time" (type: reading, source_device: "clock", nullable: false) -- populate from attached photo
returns 10:29
